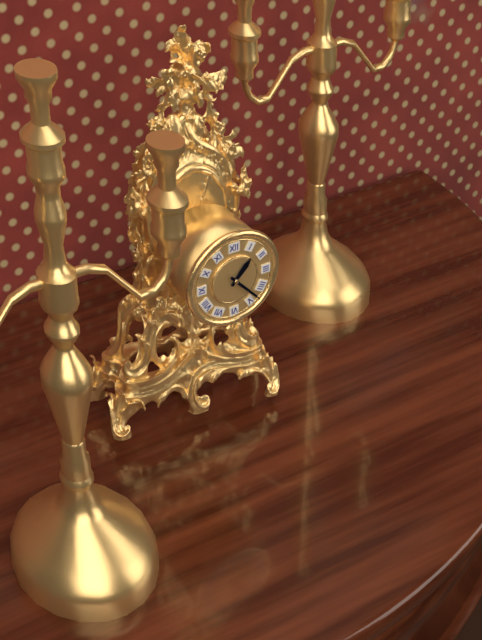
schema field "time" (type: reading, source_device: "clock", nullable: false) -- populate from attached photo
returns 1:23
